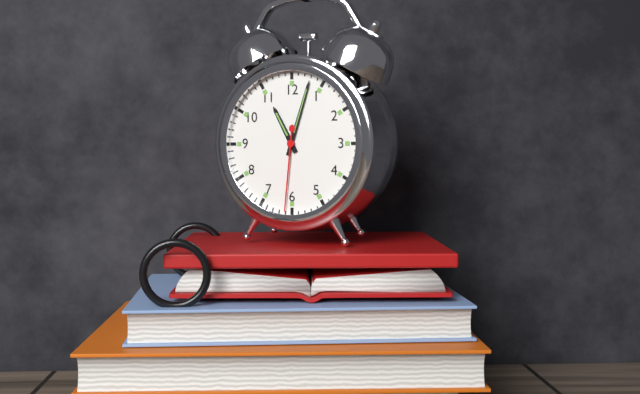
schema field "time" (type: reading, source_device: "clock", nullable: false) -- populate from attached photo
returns 11:03:31
